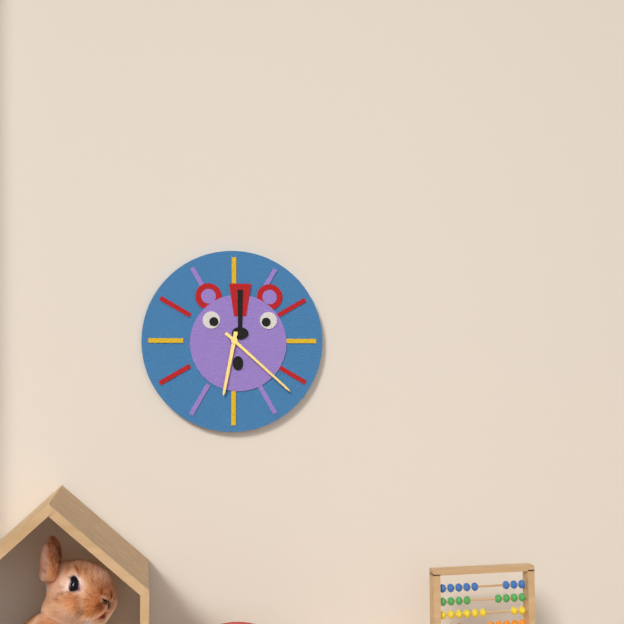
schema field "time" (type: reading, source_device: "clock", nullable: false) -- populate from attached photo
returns 6:22
